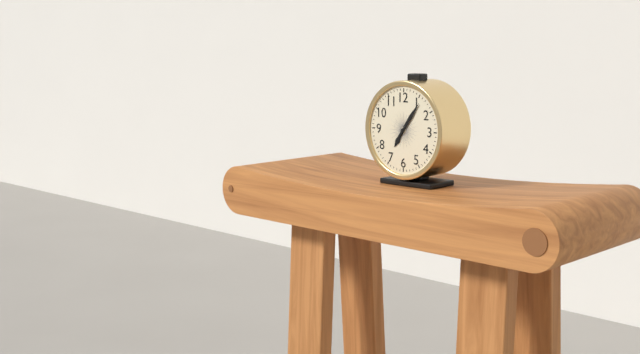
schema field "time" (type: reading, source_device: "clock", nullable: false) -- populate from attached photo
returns 7:06
